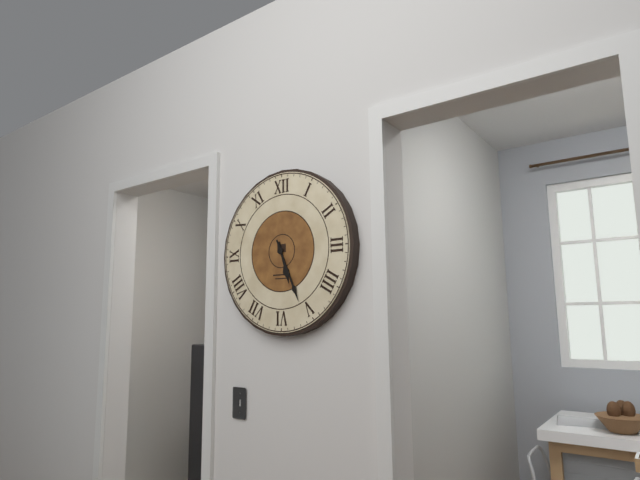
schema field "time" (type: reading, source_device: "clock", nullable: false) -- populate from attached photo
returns 5:26
